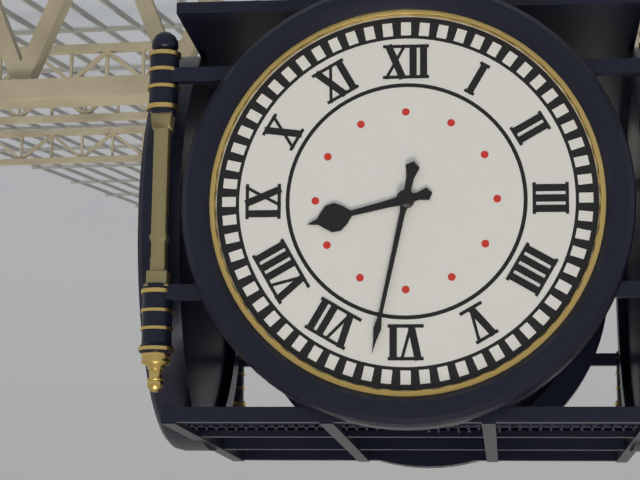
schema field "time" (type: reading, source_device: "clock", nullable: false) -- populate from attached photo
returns 8:32
